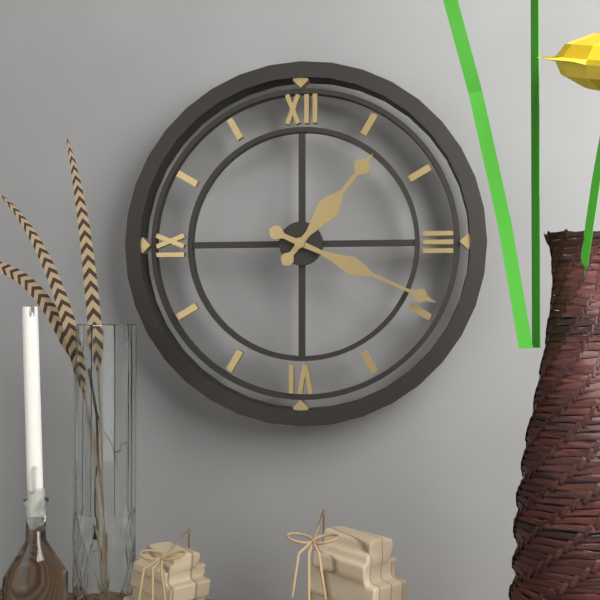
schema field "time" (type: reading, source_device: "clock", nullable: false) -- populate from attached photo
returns 1:19
